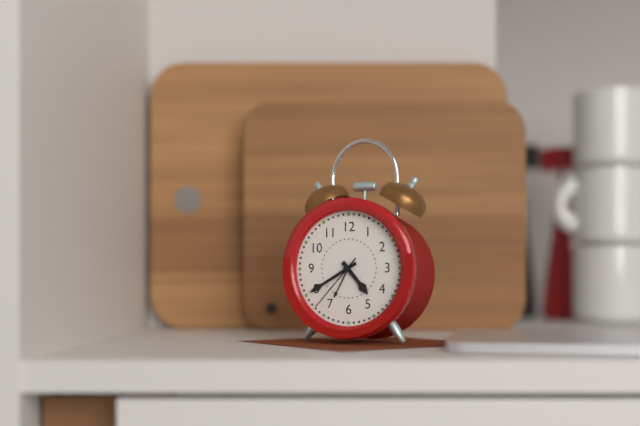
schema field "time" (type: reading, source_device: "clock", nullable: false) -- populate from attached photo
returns 4:40:37
